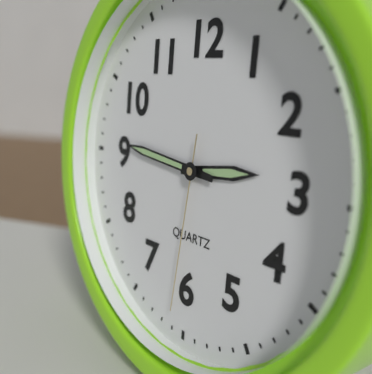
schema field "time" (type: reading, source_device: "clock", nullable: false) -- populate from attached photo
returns 2:46:31
